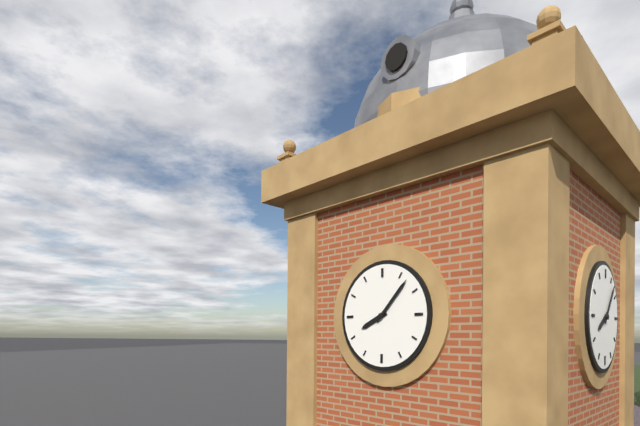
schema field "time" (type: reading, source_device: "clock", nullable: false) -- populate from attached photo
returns 8:07
